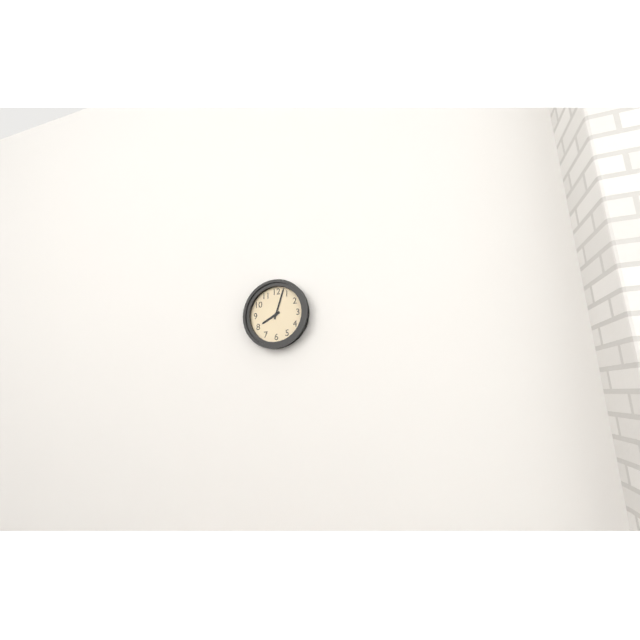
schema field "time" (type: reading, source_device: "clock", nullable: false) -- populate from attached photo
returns 8:03
